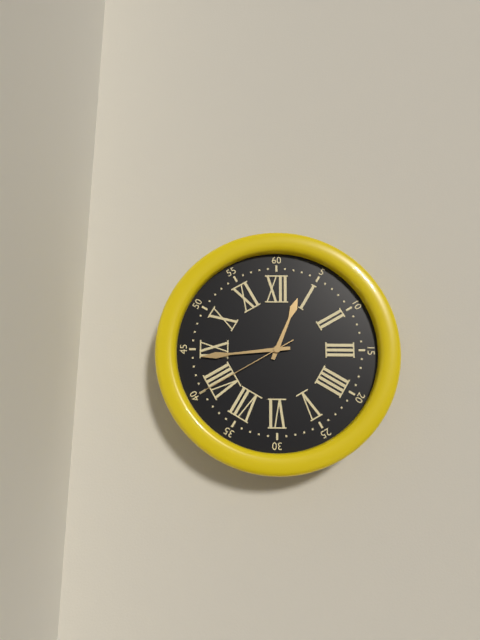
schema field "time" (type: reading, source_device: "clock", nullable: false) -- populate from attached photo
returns 12:44:40
